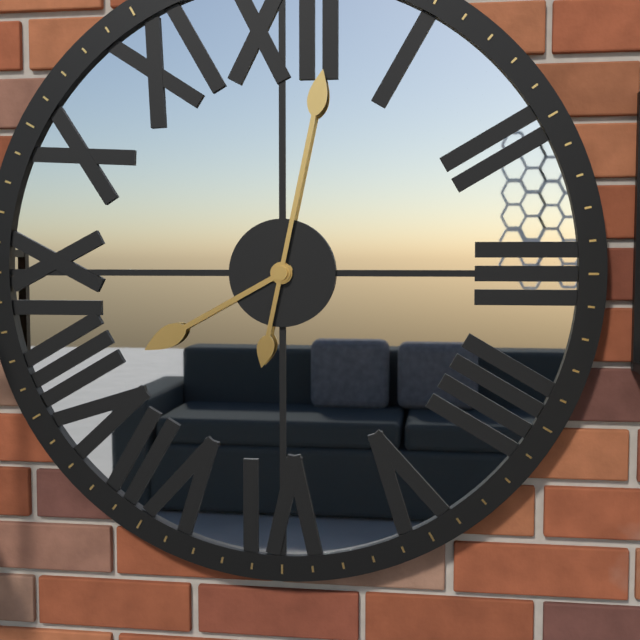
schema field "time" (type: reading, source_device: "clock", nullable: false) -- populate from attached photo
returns 8:02
